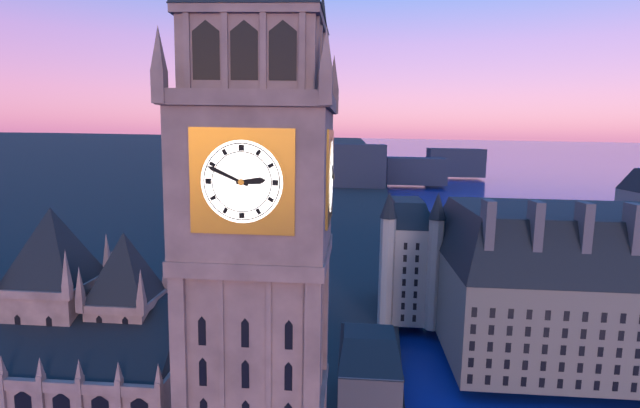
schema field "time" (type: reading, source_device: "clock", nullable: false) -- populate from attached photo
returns 2:49
